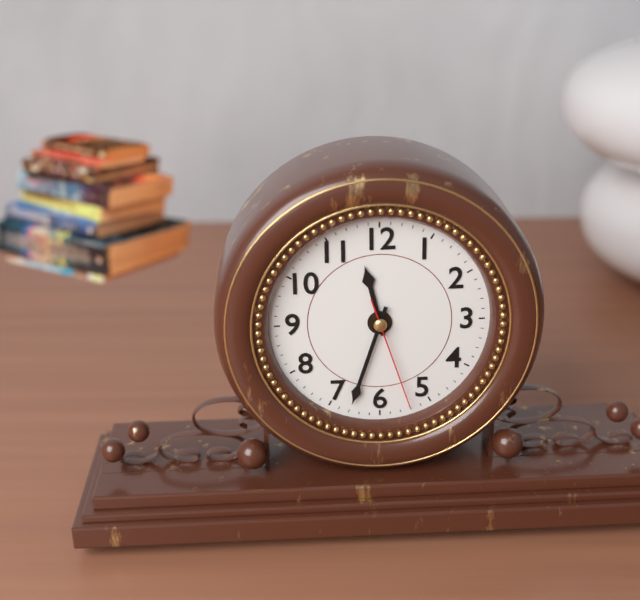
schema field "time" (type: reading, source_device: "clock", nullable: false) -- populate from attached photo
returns 11:33:27
